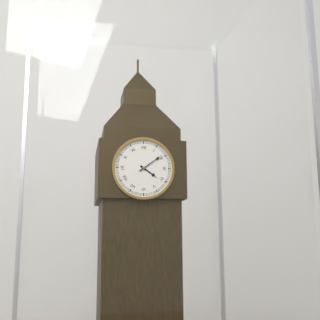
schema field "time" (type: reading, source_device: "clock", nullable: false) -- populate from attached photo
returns 4:09
